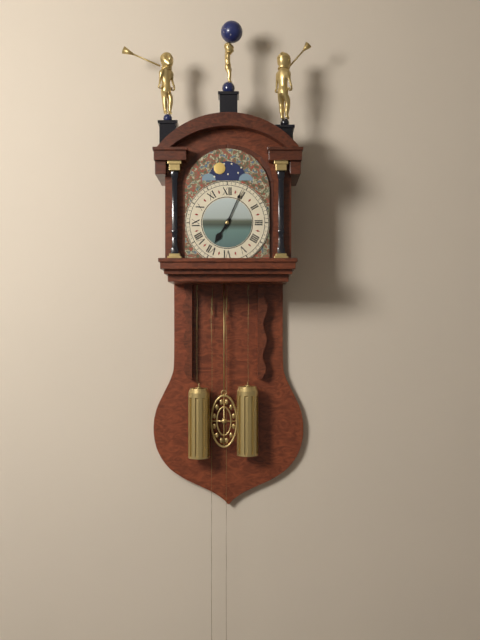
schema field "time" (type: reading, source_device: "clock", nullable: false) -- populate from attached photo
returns 7:04
